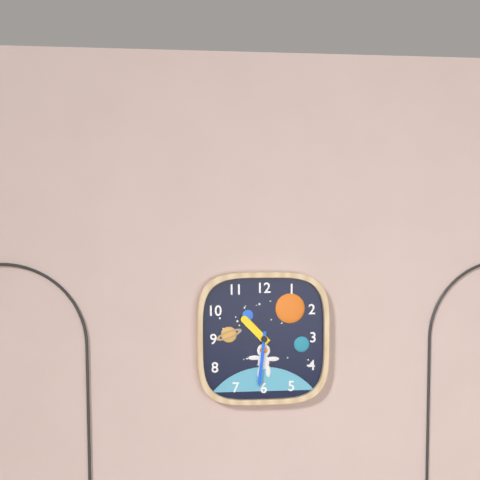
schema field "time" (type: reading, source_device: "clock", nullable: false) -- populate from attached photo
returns 10:31
